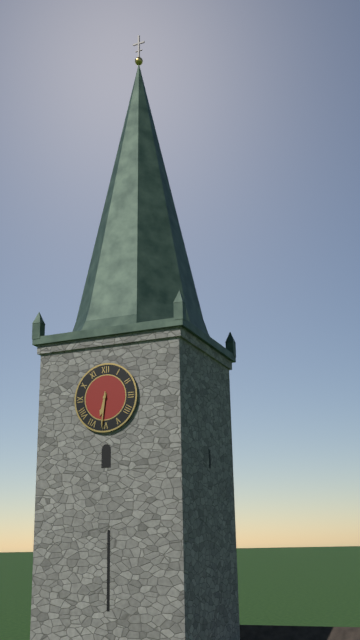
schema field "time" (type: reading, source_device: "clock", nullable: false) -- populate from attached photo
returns 6:31
